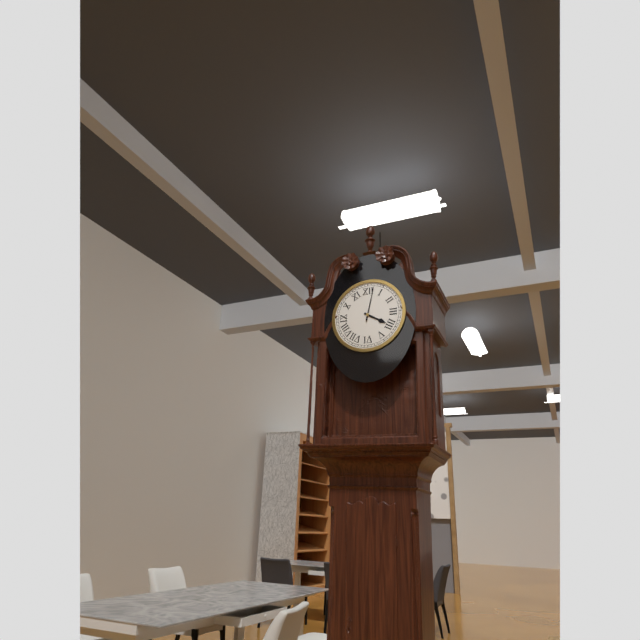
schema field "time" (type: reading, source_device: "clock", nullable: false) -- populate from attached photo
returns 4:02
